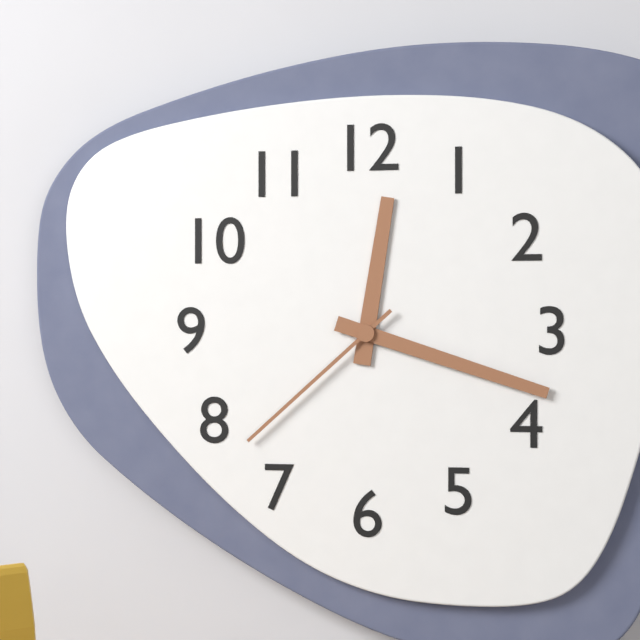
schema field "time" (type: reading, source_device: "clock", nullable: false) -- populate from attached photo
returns 12:18:38
